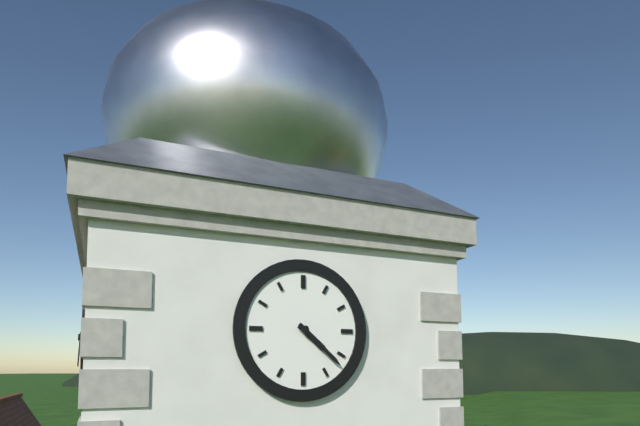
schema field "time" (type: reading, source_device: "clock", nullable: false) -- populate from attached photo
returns 4:22
